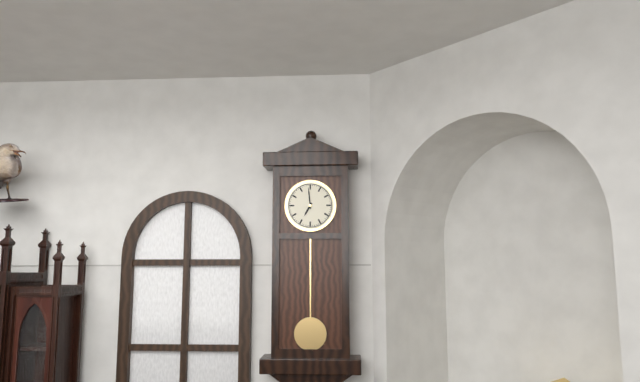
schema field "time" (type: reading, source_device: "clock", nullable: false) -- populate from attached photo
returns 6:59
